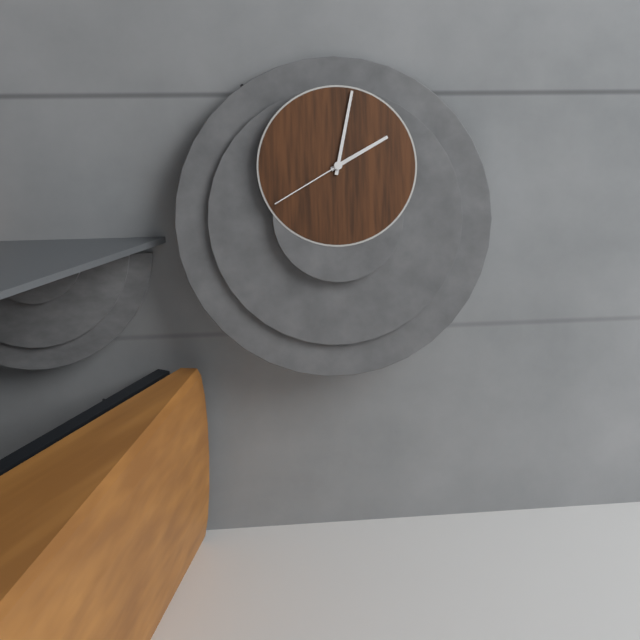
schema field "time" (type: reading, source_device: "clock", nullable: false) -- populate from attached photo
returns 2:02:40
